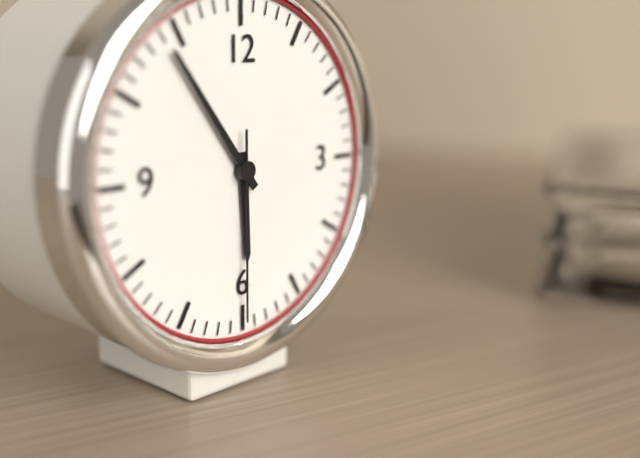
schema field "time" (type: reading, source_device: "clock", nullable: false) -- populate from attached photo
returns 5:54:30
